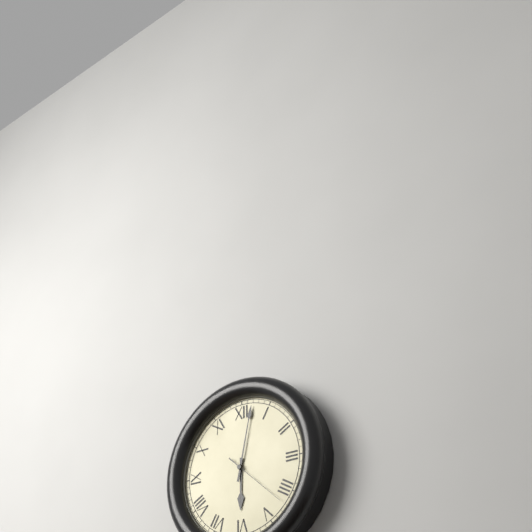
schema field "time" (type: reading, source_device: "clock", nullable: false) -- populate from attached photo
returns 6:02:22
